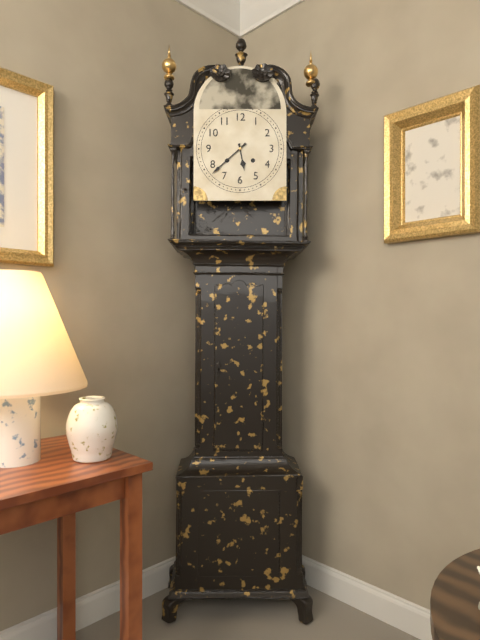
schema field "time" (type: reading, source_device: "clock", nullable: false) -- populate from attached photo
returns 5:38
